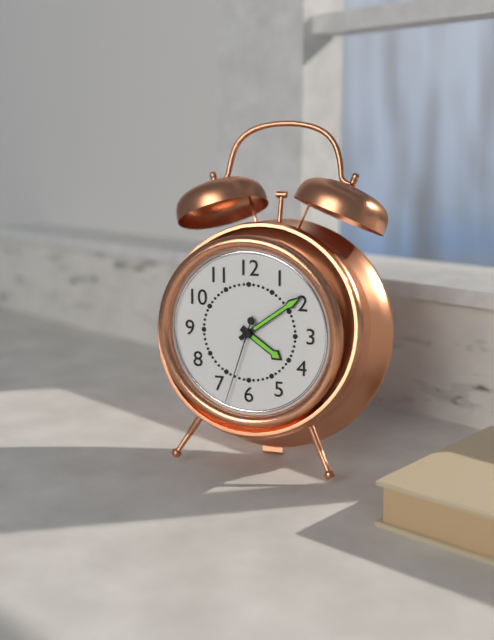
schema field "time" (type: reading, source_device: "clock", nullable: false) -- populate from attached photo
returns 4:09:33
